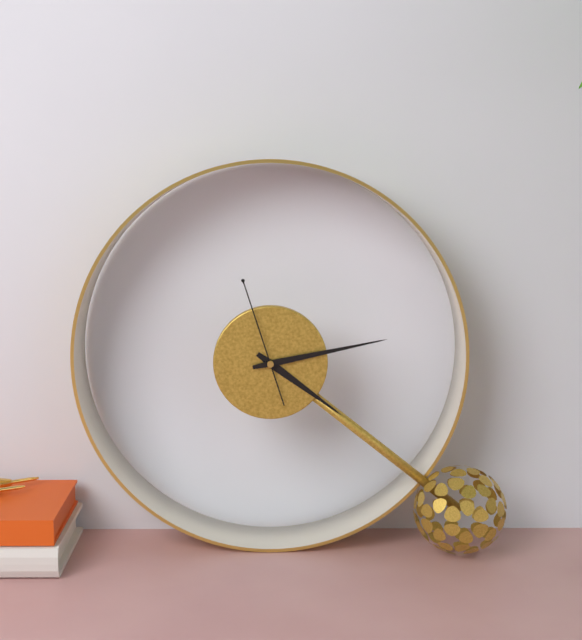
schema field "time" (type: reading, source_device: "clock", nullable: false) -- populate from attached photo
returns 4:13:57
